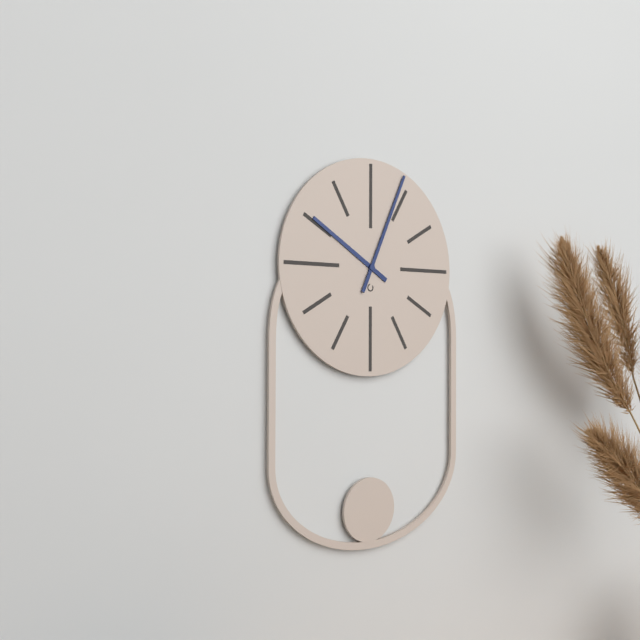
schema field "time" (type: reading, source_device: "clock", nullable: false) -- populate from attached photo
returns 10:04
